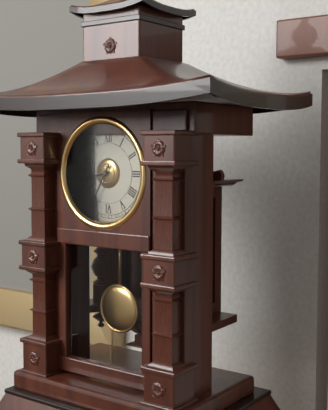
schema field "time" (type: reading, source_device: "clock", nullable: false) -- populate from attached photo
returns 8:35
